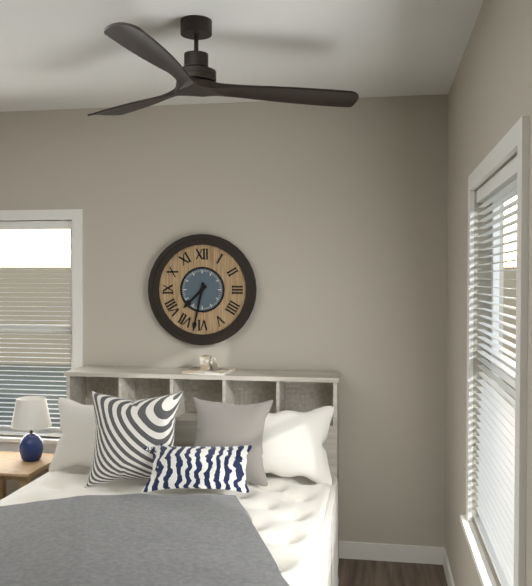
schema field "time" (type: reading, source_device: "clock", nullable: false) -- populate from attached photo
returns 7:32
